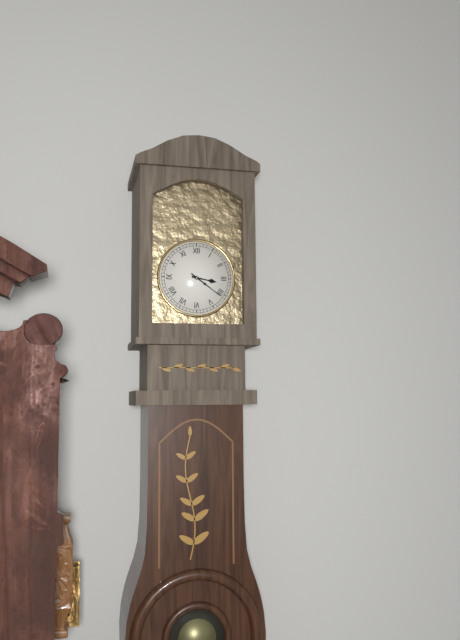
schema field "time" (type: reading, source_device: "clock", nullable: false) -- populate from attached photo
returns 3:21
